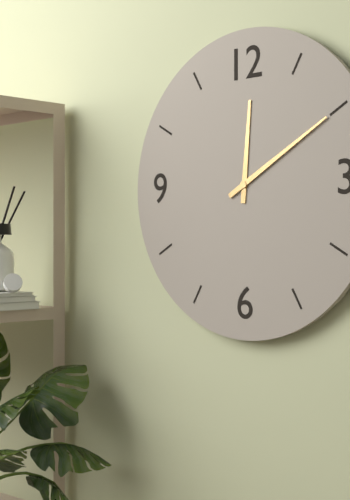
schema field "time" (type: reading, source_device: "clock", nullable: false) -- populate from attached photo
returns 12:10
